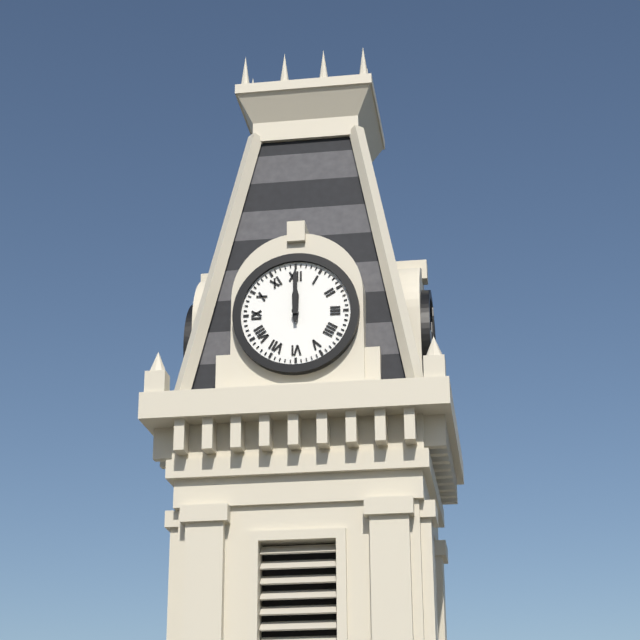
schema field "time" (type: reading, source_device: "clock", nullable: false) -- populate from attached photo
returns 12:00
